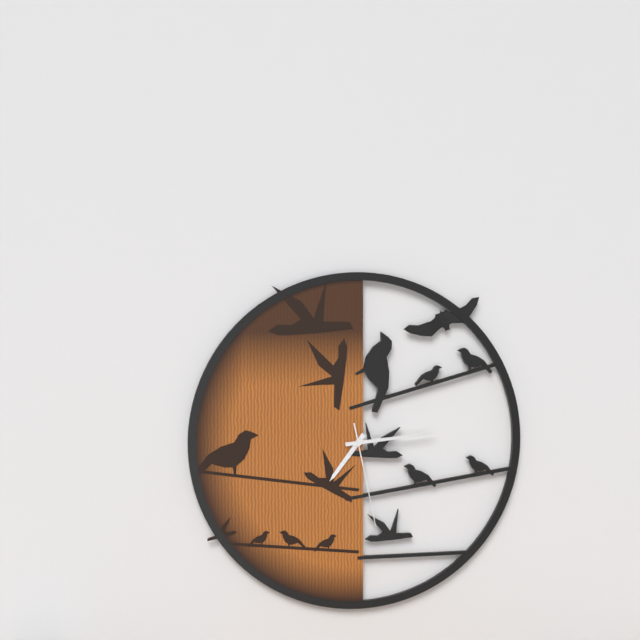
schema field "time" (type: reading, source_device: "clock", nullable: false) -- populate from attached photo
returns 7:14:28
